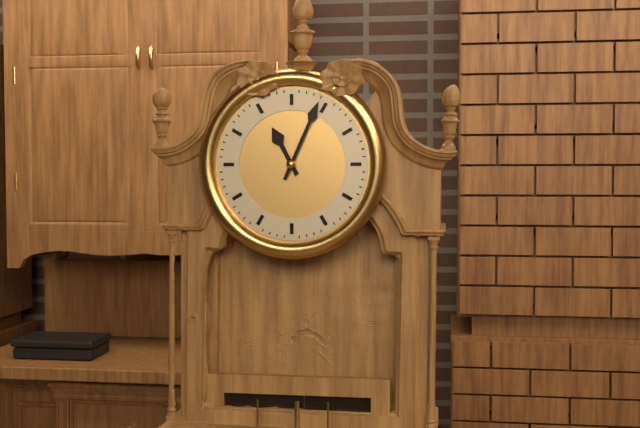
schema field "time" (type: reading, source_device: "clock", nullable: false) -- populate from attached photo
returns 11:04
